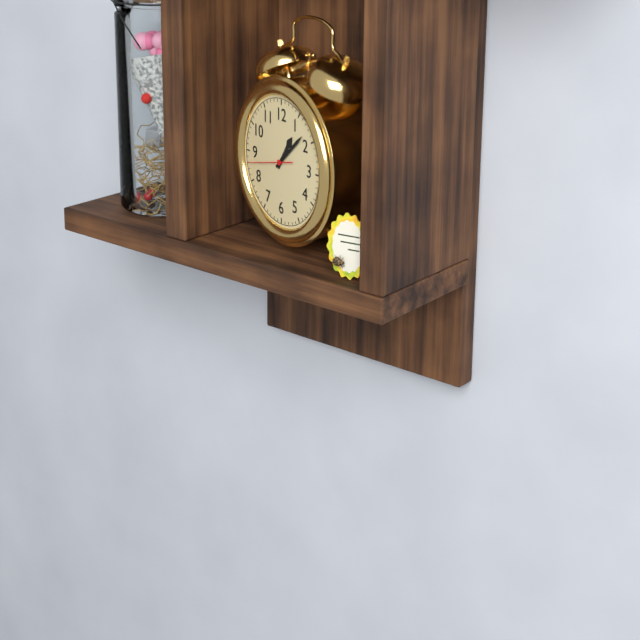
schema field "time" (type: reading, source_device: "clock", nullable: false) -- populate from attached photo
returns 1:08
